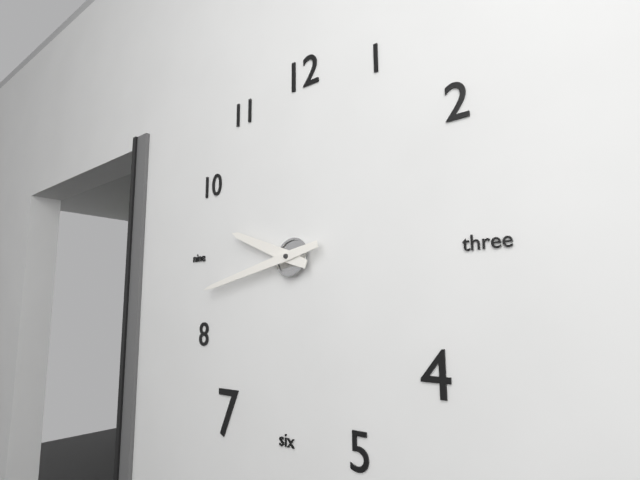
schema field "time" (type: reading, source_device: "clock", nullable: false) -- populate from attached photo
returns 9:43
